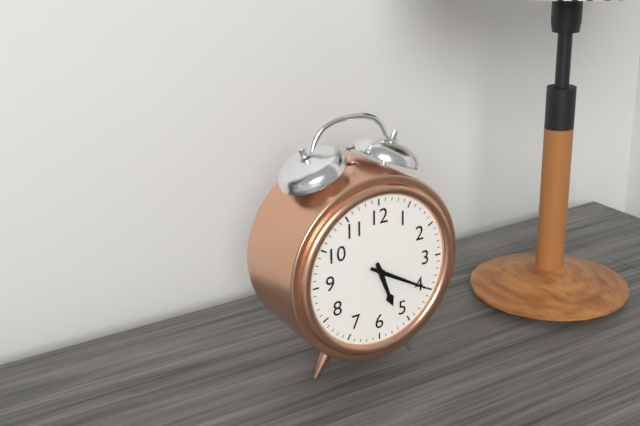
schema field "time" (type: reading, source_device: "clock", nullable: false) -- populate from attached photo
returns 5:20
